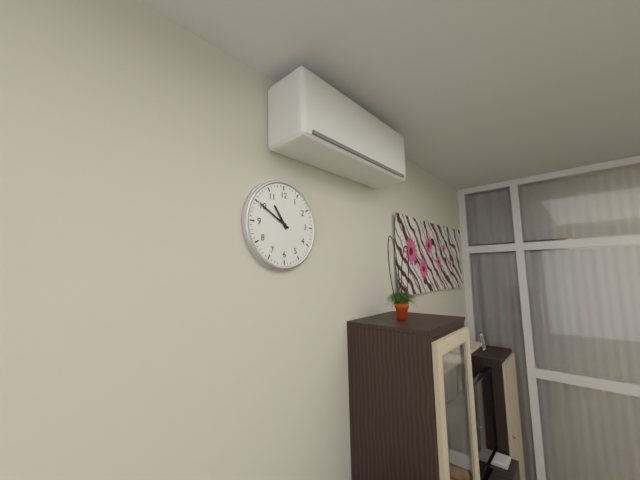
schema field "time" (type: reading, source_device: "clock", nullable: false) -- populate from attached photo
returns 10:50
